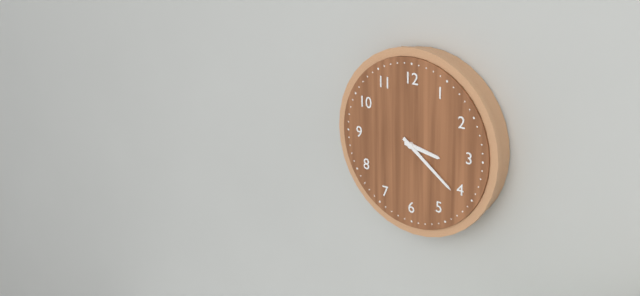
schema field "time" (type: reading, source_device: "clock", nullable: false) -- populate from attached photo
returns 3:21
